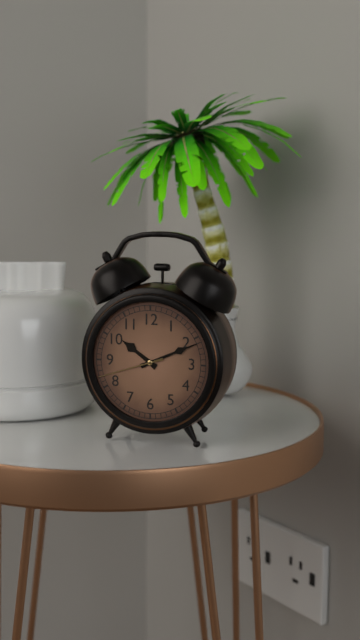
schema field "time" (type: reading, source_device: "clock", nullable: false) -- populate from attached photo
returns 10:11:42
